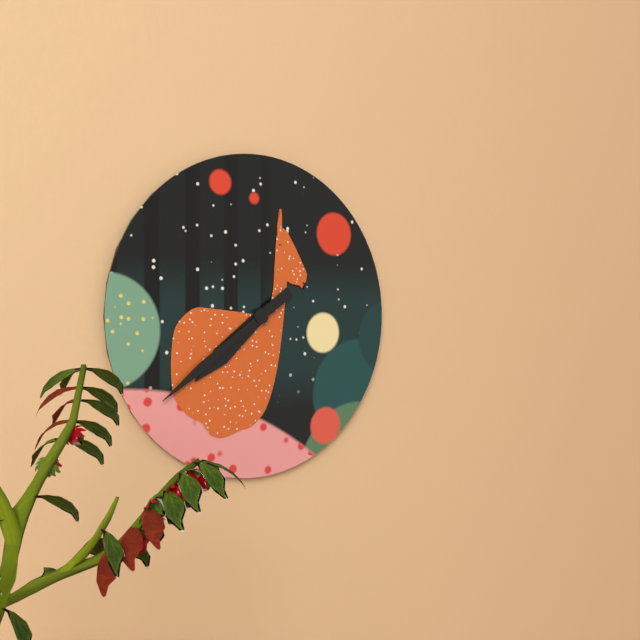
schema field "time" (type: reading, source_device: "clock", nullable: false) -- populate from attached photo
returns 7:39
